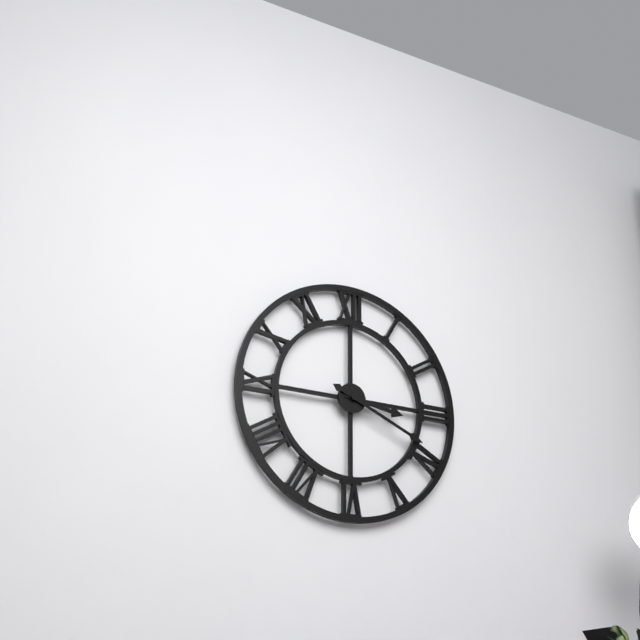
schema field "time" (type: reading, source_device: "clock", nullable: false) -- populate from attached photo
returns 3:19
